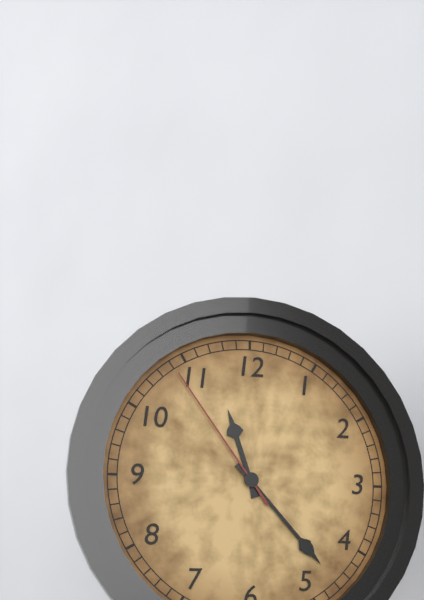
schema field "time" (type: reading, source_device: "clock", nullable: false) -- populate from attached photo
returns 11:23:54
